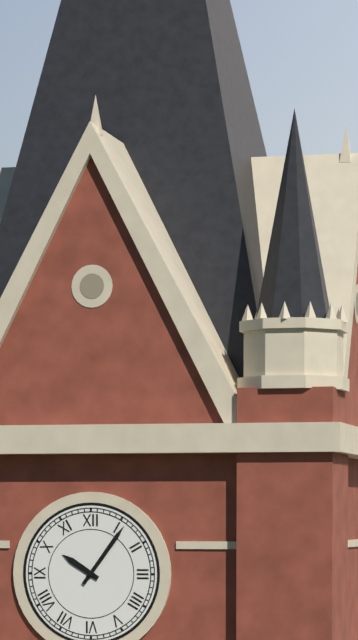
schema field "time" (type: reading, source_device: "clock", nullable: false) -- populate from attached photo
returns 10:06
